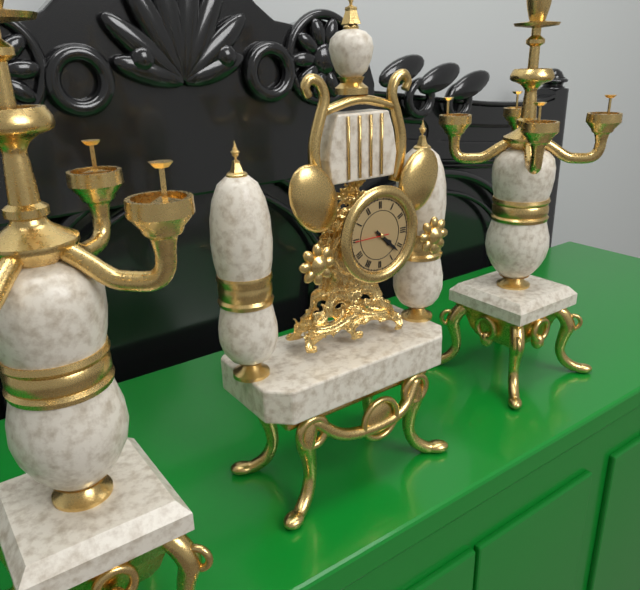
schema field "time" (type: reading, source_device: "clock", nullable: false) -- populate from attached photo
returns 4:22
